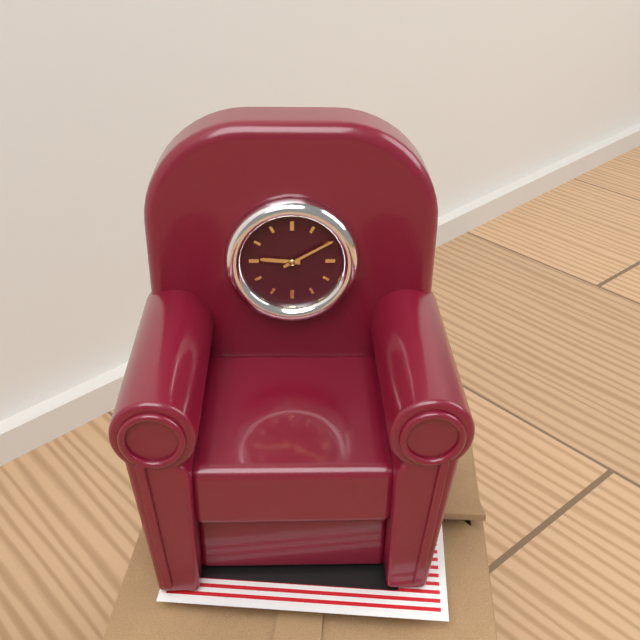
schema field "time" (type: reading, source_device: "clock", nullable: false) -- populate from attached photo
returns 9:10
